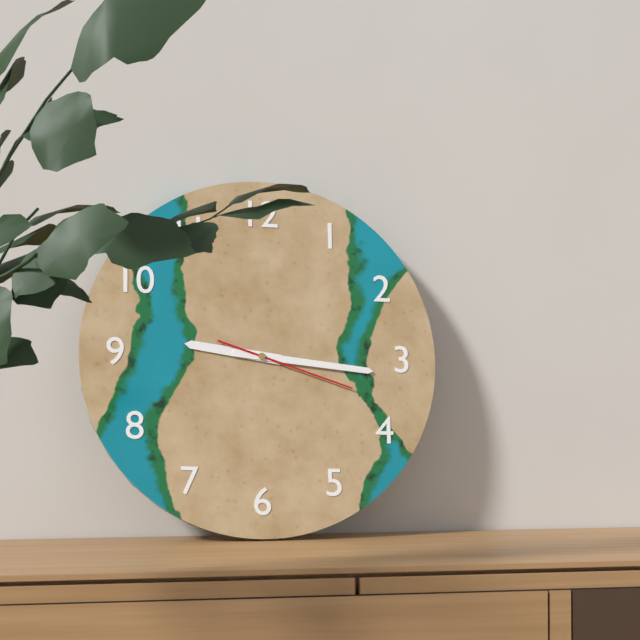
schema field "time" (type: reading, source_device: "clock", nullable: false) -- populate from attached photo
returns 9:16:18
